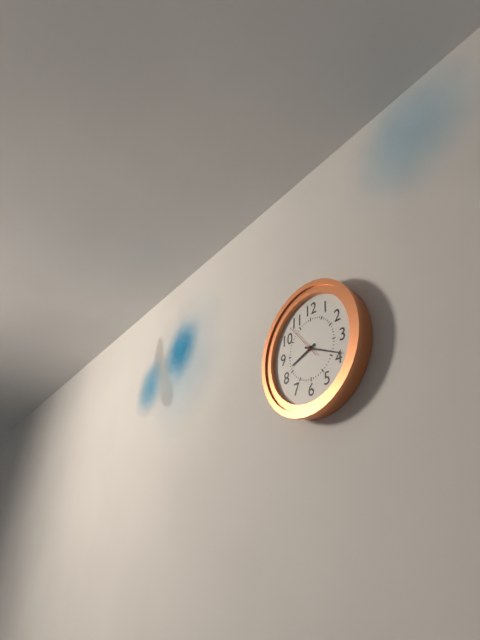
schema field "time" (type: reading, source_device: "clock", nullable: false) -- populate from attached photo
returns 8:19
